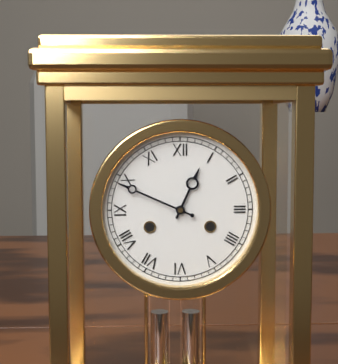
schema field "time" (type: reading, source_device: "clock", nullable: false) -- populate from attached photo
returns 12:49
